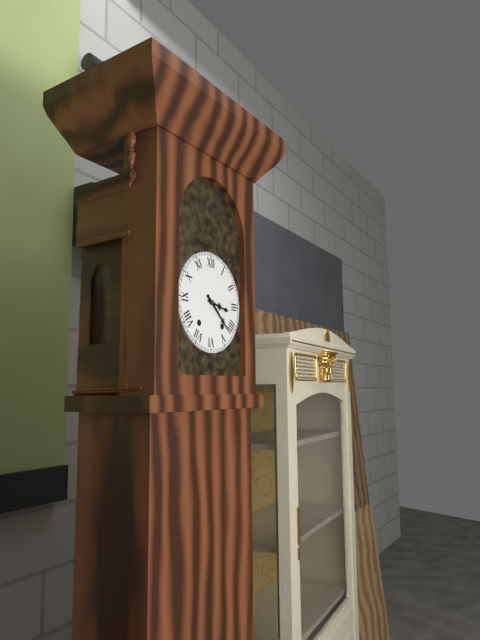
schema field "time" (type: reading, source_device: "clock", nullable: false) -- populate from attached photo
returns 3:22
